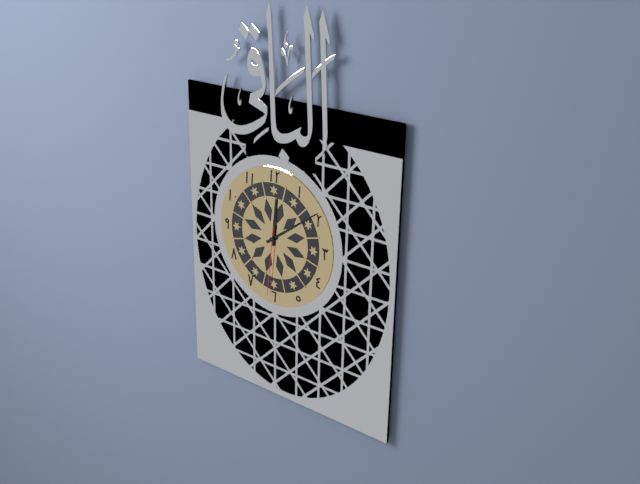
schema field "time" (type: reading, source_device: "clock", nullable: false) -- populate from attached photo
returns 12:09:31
